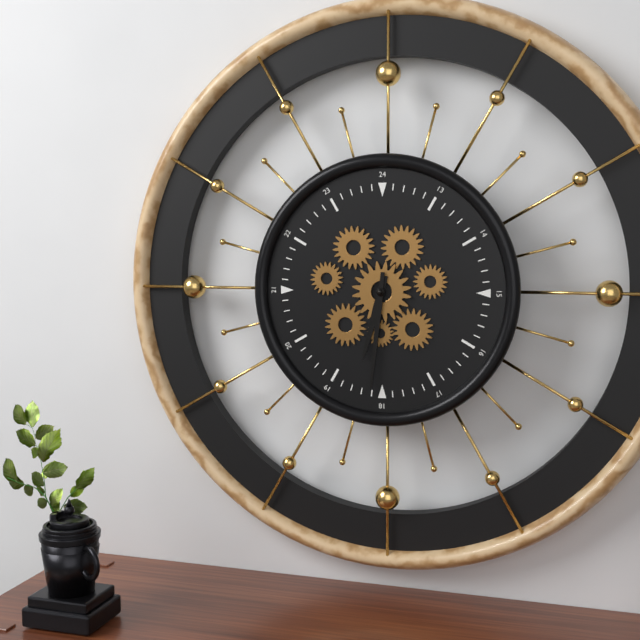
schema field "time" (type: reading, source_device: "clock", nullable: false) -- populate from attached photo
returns 6:31
